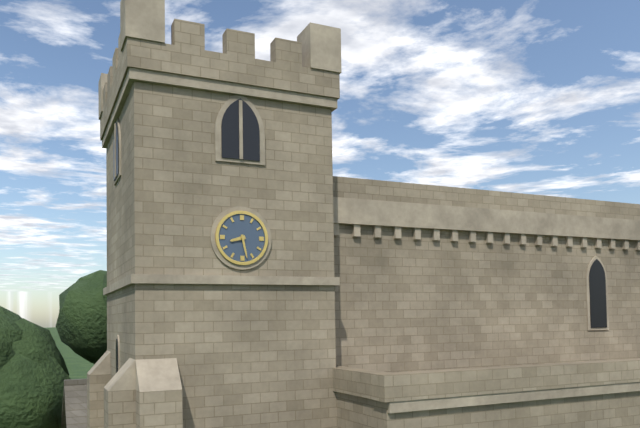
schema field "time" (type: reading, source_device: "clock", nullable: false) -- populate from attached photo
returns 8:28
